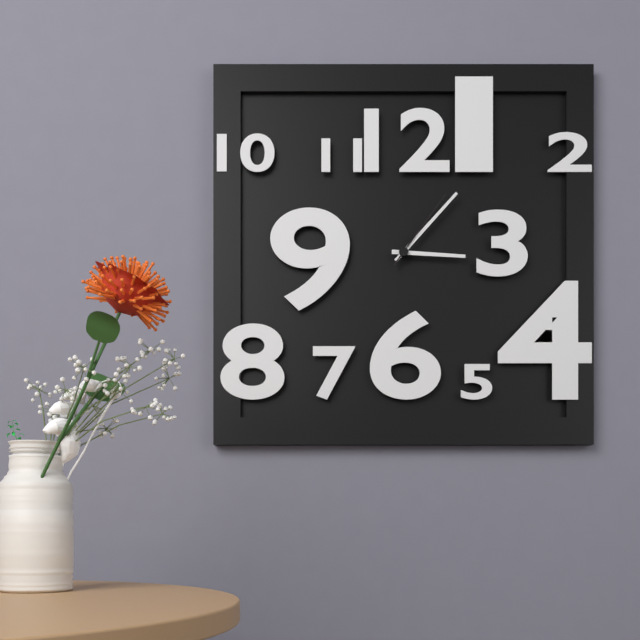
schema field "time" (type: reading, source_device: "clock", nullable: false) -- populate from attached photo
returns 3:07:06
